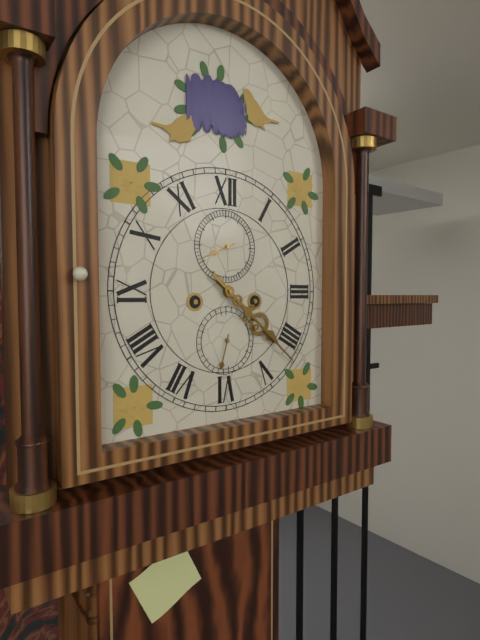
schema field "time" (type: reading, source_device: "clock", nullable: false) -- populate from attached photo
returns 4:22
